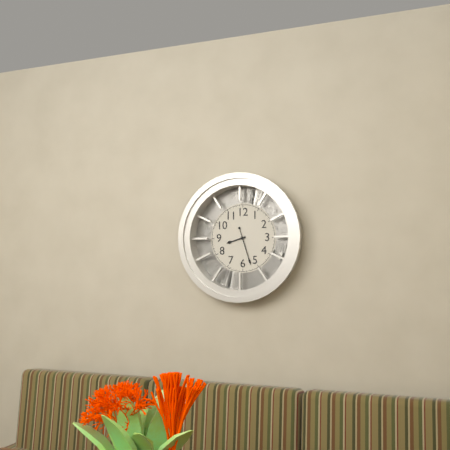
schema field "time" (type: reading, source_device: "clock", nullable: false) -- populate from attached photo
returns 8:27
